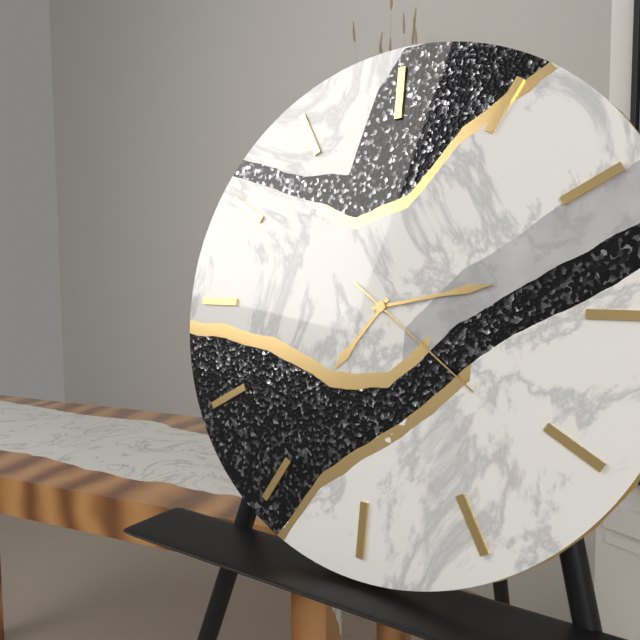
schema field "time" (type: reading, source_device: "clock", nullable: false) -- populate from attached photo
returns 7:13:21
